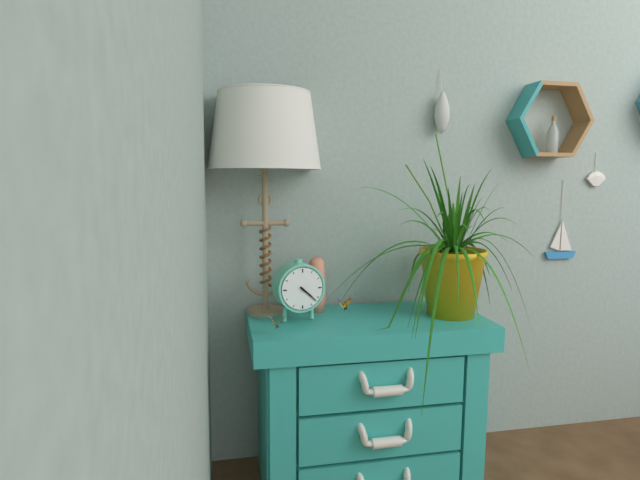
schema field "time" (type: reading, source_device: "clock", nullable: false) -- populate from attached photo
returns 4:22
